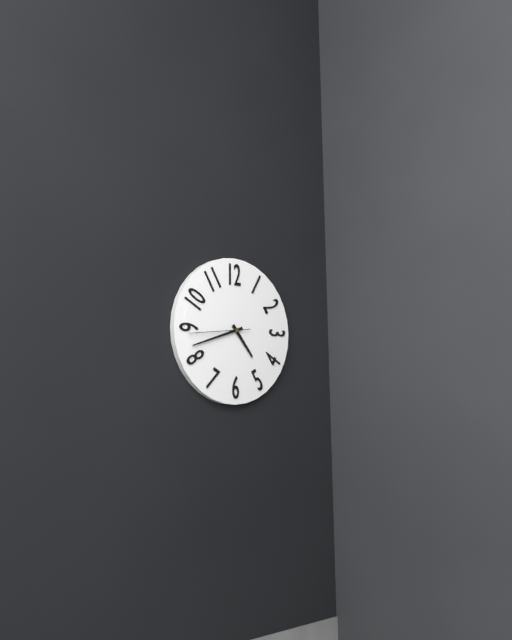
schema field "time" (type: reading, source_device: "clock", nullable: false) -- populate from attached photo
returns 4:42:44
